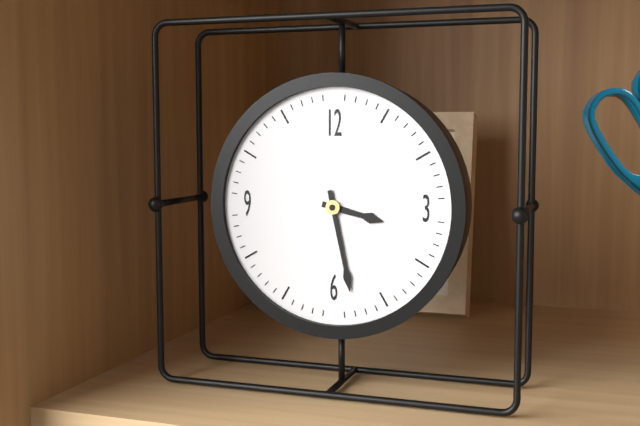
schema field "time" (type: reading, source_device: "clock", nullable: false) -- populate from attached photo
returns 3:28
